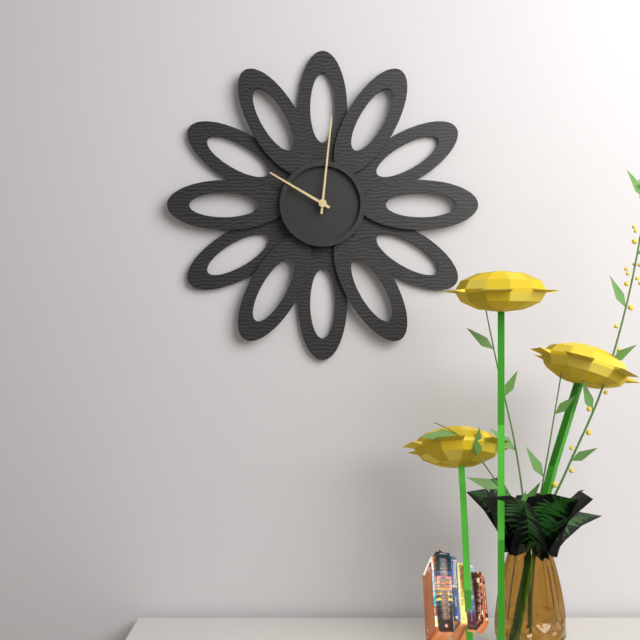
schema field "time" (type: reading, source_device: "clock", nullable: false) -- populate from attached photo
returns 10:01
